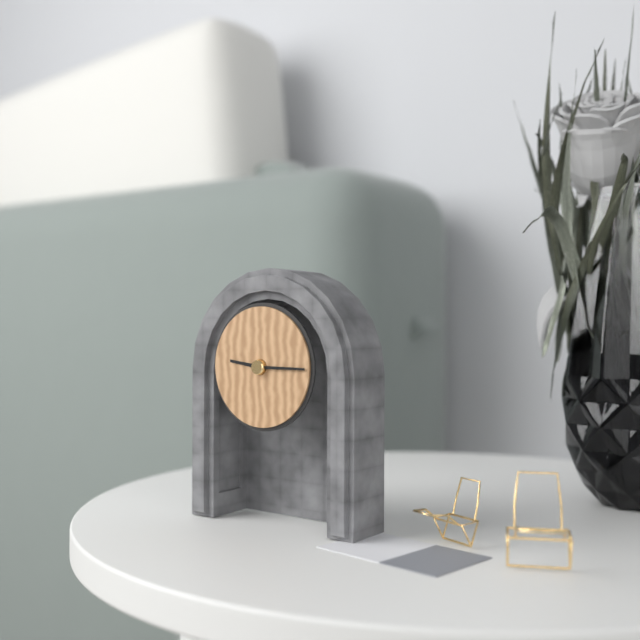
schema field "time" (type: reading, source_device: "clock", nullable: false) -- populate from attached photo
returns 9:15
